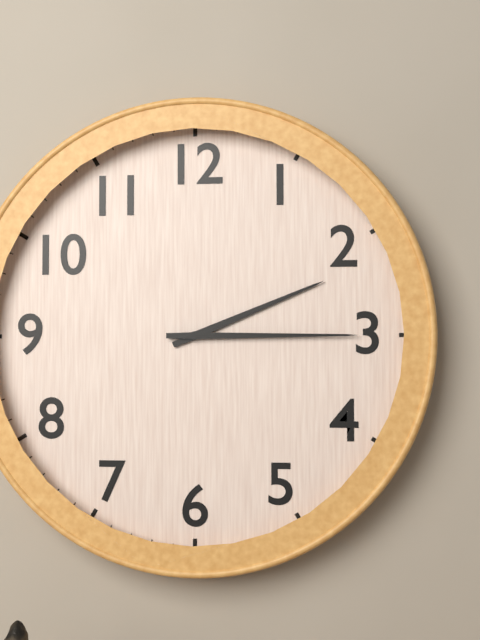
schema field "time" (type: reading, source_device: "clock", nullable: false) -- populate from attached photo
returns 2:15
